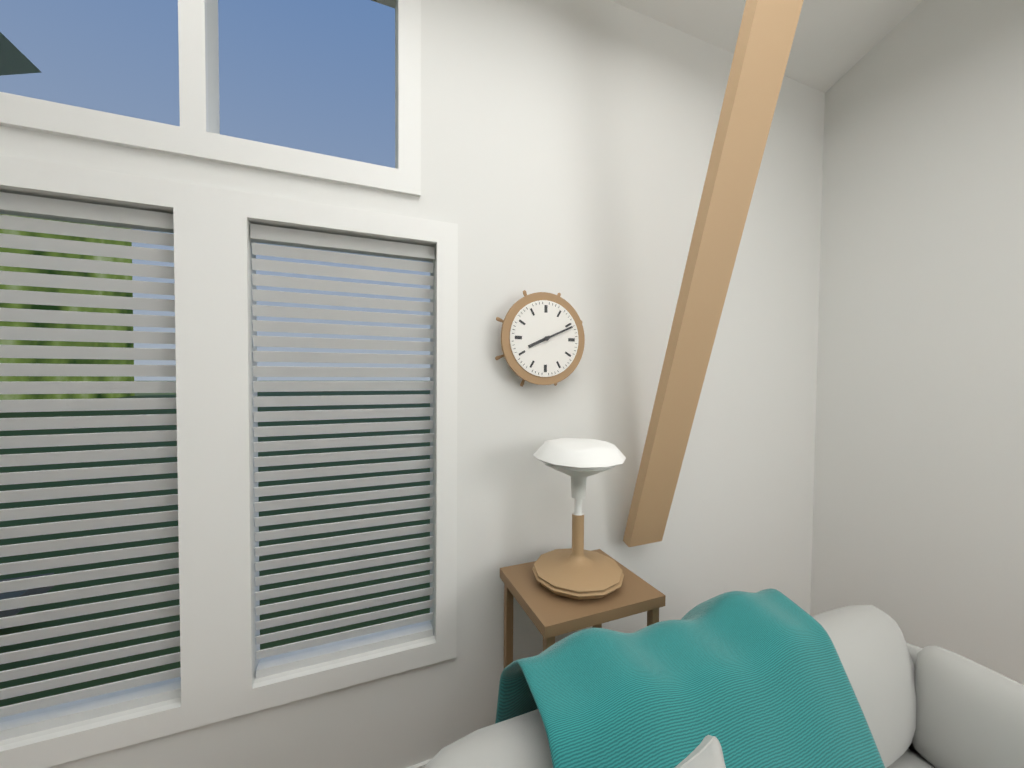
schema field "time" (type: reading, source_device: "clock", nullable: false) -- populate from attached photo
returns 8:11
